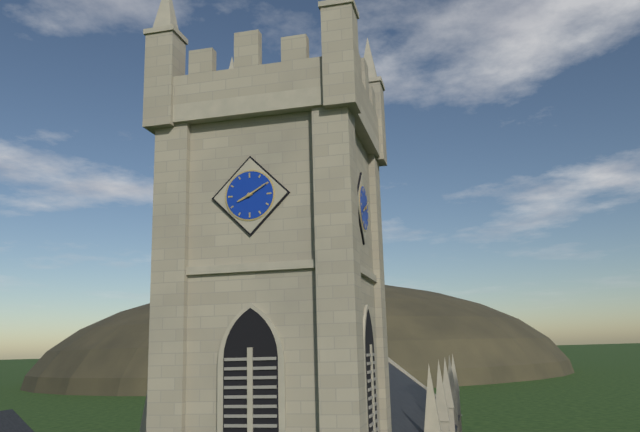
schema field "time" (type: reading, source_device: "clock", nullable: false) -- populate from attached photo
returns 8:10
